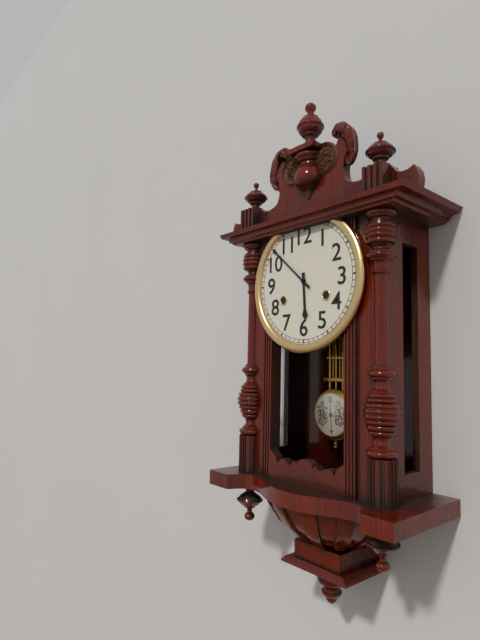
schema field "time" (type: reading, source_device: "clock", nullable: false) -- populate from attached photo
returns 5:52
